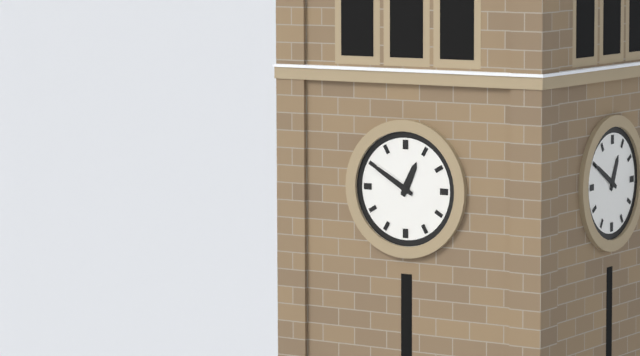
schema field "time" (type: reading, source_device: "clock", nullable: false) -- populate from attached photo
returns 12:50
